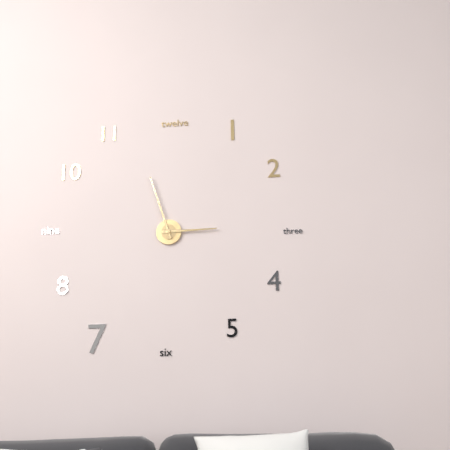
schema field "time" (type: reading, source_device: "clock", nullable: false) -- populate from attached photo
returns 2:57
